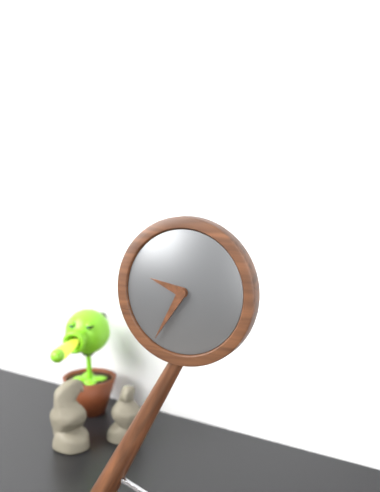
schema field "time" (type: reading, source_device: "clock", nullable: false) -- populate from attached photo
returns 9:35
